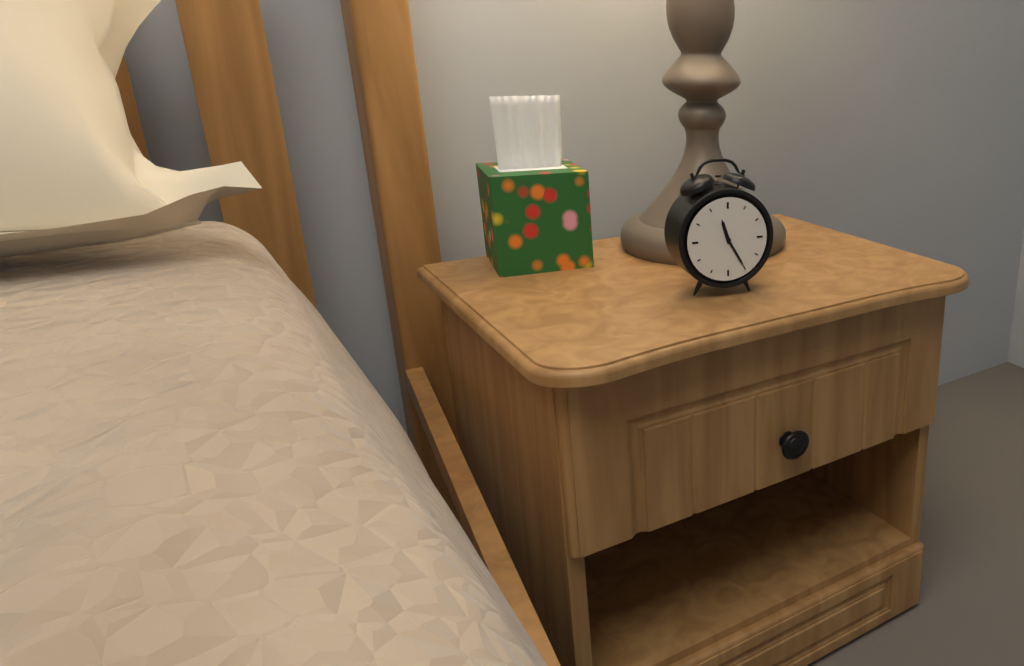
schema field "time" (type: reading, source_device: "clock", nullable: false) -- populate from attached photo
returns 11:25
